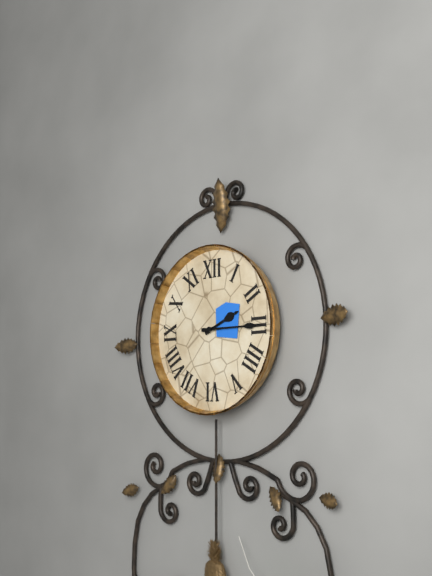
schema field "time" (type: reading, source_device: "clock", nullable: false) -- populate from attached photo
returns 2:15
